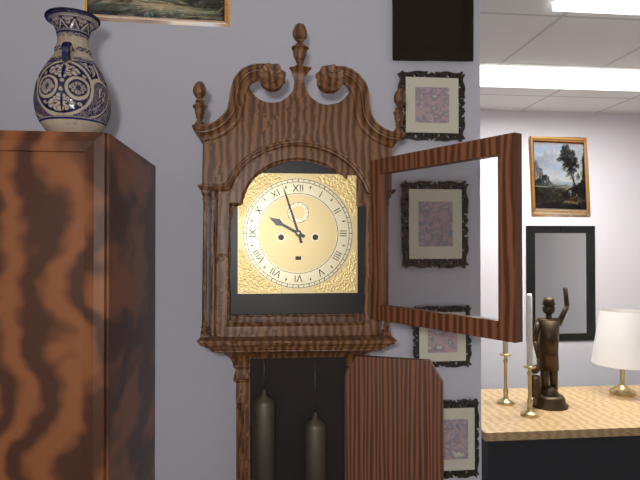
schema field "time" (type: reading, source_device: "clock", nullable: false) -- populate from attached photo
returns 9:57
